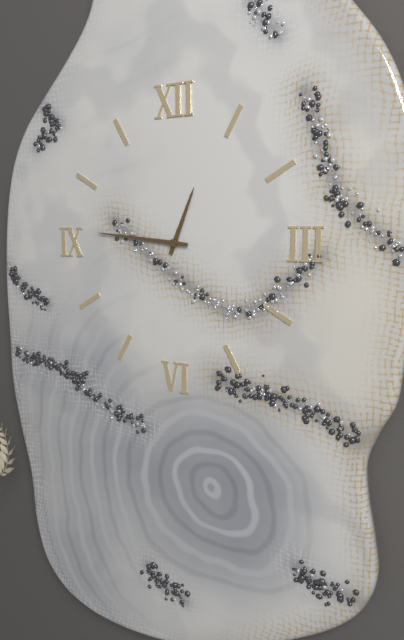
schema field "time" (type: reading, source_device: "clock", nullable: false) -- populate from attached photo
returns 12:46
